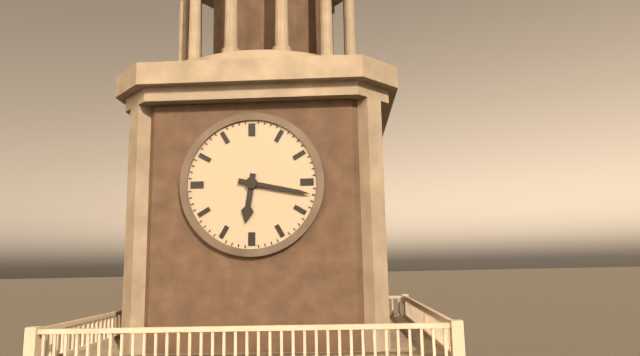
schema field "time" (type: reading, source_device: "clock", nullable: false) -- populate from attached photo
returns 6:17
